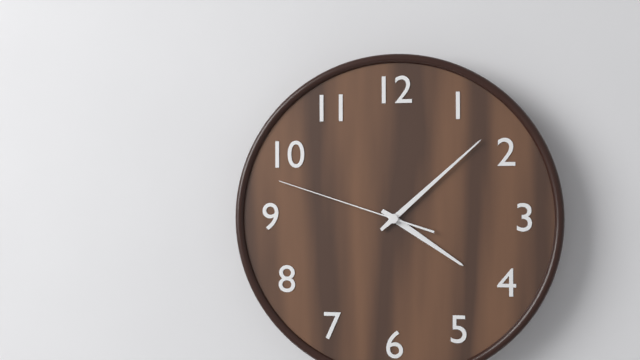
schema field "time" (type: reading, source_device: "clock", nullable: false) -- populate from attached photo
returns 4:08:48
